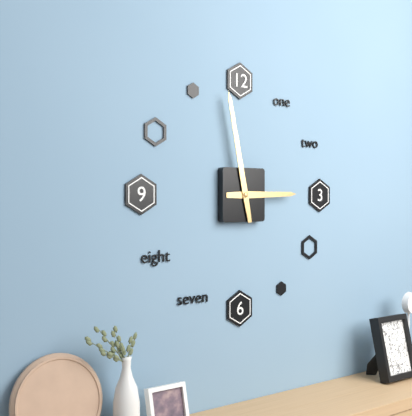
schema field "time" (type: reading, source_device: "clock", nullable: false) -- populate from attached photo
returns 2:58
